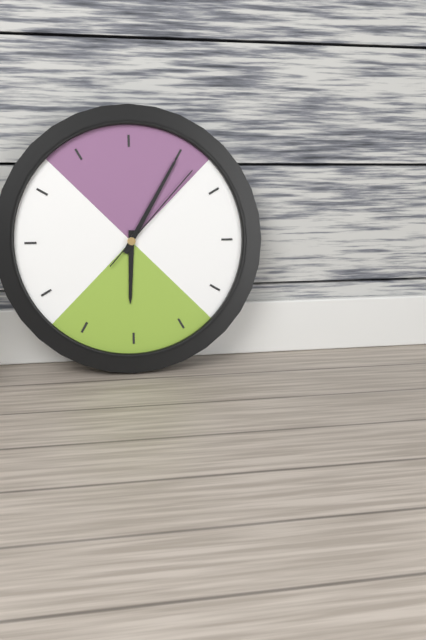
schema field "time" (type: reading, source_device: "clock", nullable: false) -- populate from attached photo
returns 6:05:07
